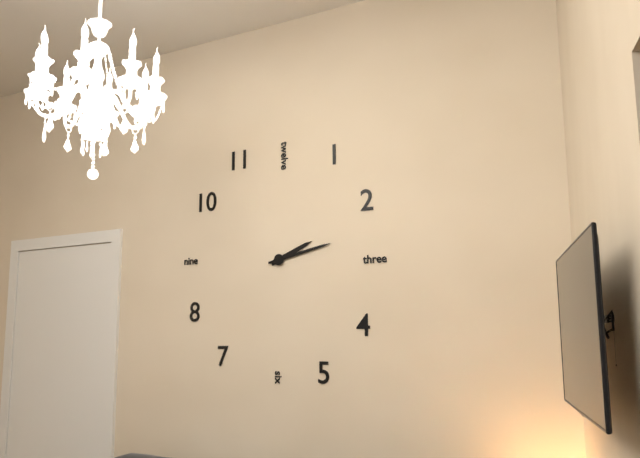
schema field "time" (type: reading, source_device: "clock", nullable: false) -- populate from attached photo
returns 2:13
